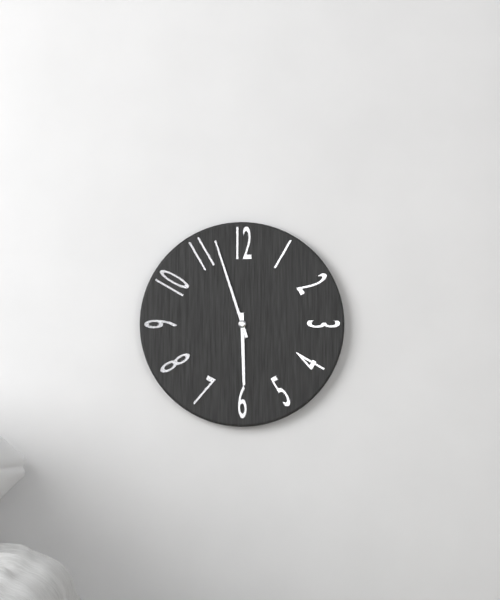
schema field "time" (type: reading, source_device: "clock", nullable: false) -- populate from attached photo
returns 5:57
